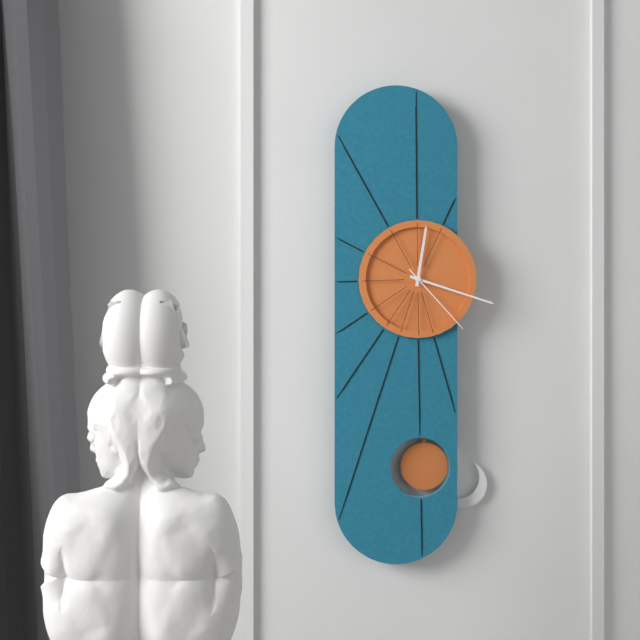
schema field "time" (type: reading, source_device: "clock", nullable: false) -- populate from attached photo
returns 12:18:23
